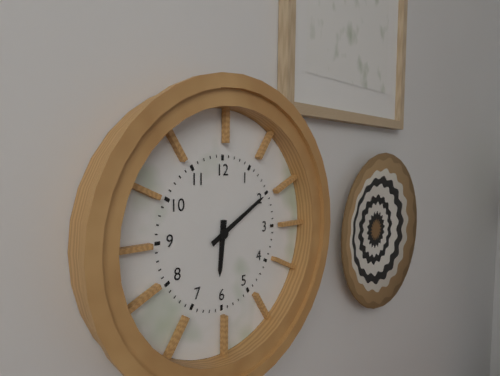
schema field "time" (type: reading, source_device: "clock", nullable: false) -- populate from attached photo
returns 6:10
